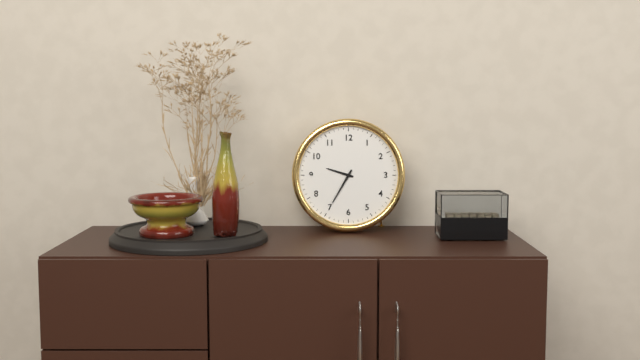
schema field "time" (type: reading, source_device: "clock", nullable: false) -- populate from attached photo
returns 9:35
